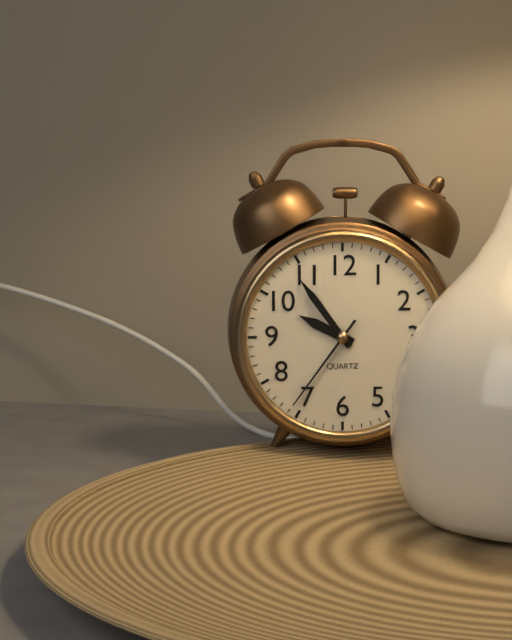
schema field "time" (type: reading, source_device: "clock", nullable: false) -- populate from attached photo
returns 9:54:36
